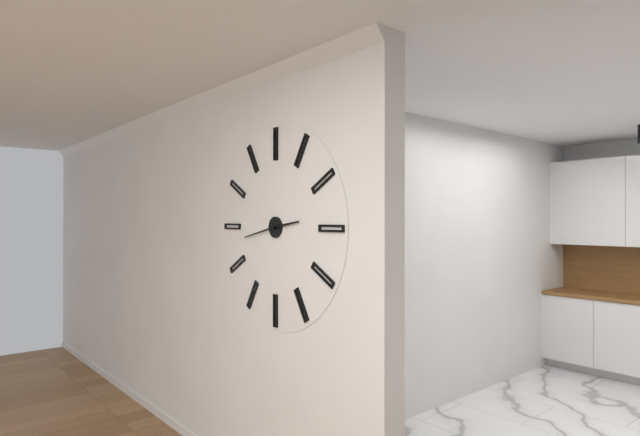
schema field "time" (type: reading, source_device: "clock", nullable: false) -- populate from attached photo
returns 2:43
